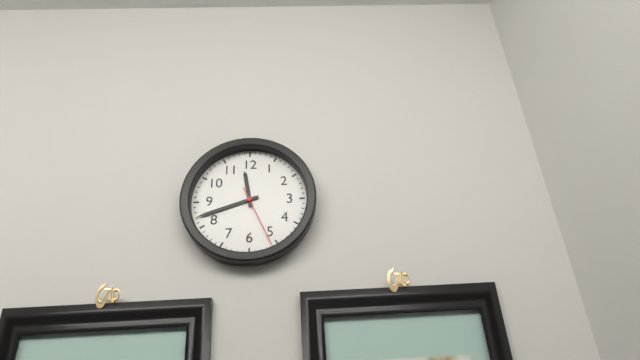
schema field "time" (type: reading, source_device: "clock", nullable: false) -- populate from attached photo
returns 11:42:26
